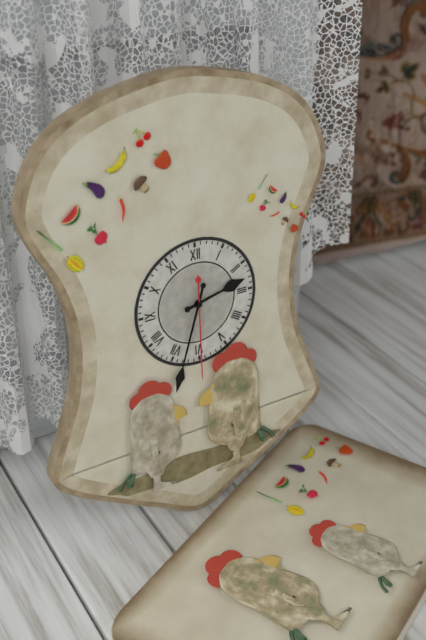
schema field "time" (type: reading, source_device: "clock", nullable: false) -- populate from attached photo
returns 2:33:30
